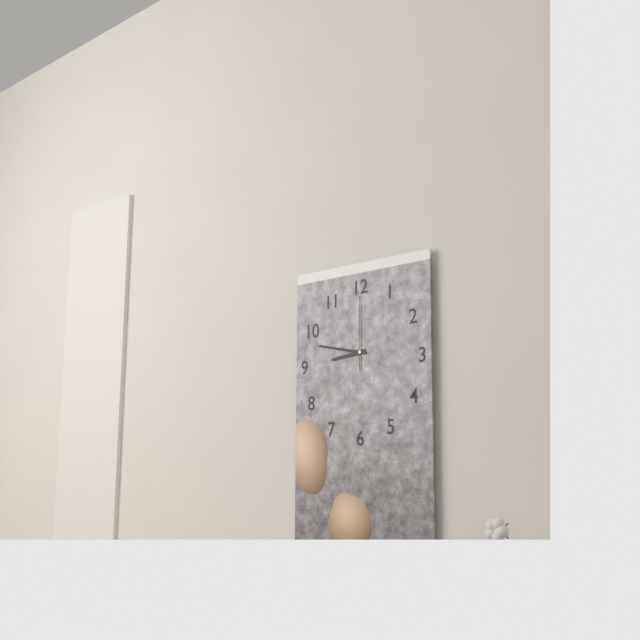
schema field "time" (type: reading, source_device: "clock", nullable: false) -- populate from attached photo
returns 8:47:00
